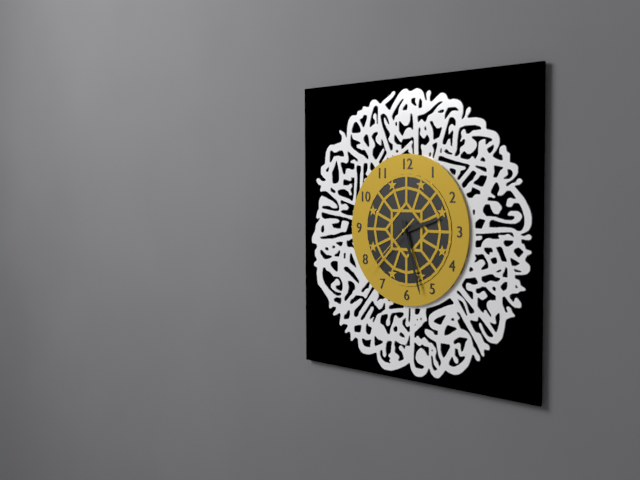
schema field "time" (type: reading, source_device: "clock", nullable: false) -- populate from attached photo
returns 2:27:38
